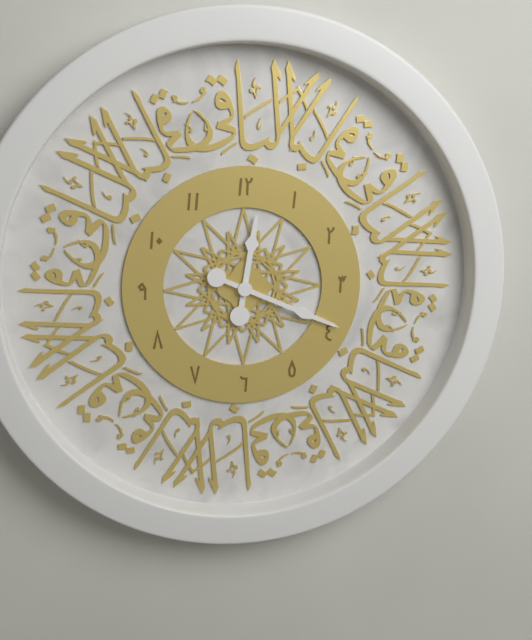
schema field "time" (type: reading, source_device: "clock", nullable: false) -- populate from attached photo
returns 12:19
